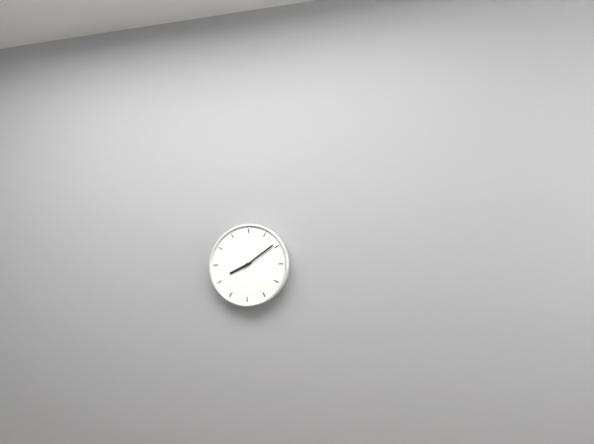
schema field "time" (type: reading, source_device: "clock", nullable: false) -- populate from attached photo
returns 8:09
